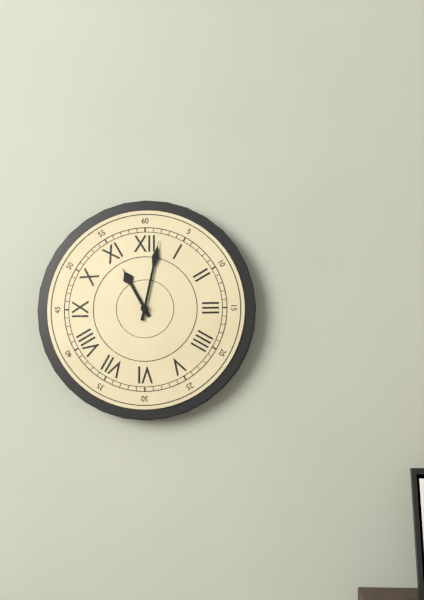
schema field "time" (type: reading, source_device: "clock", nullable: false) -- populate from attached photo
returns 11:02
